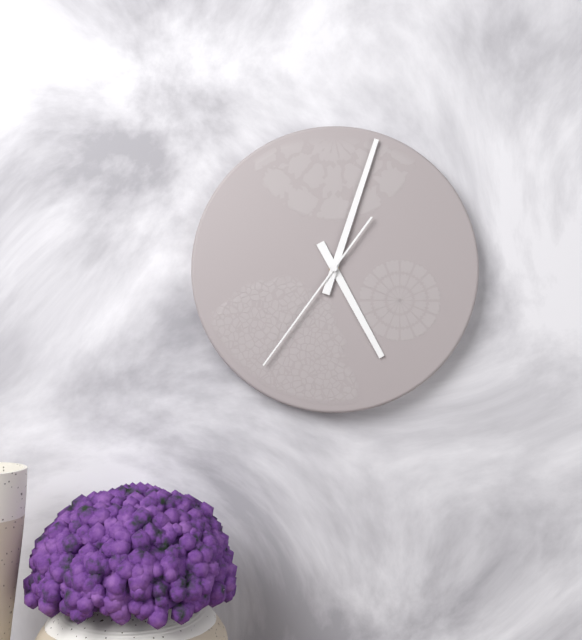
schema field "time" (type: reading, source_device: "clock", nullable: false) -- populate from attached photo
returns 5:03:36
